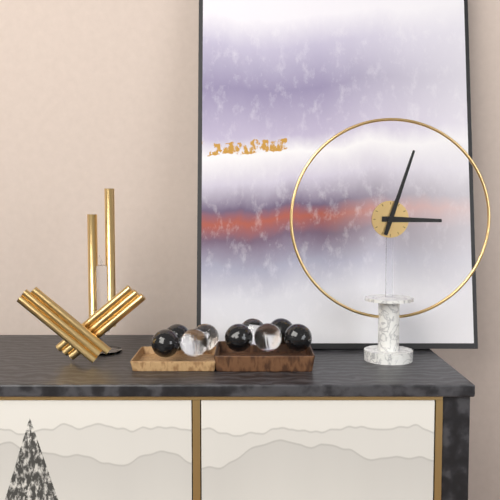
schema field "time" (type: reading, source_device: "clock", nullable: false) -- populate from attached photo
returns 3:03
